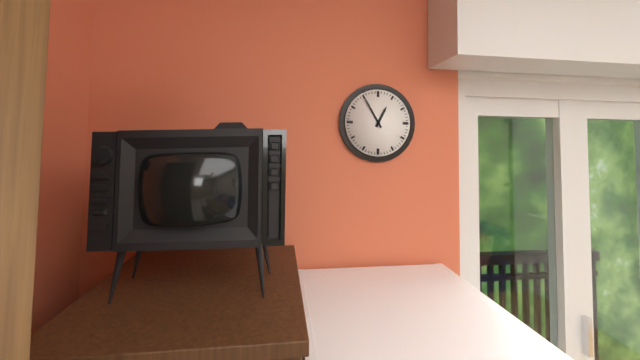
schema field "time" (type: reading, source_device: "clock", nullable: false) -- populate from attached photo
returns 12:55
